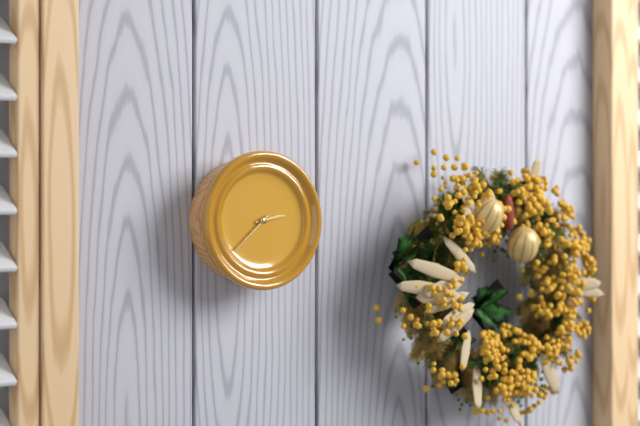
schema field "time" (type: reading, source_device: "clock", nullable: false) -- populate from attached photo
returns 2:38
